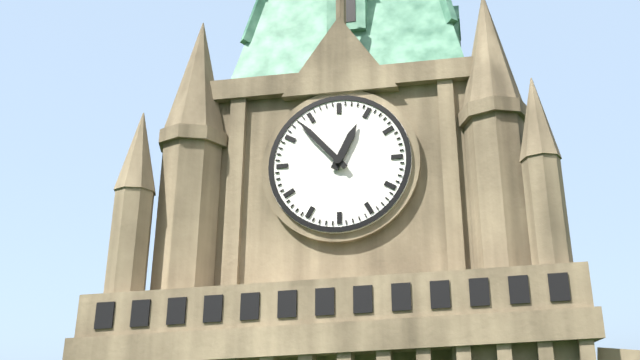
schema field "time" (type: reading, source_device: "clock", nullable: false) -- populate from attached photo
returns 12:53
